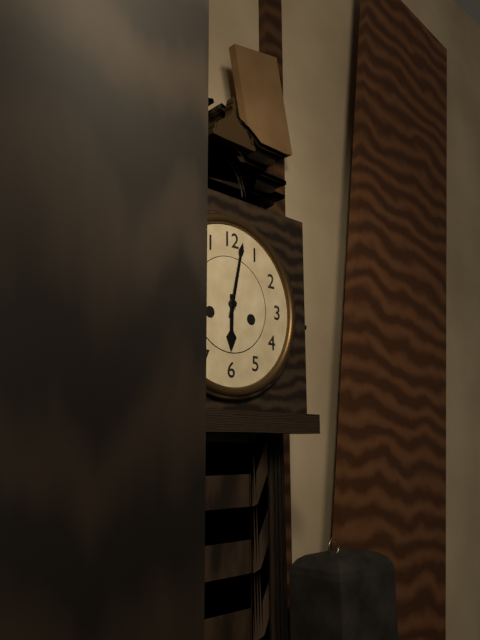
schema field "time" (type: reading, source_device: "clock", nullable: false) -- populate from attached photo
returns 6:02
